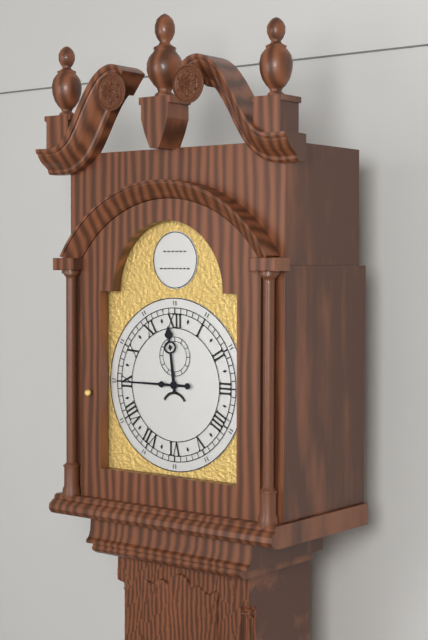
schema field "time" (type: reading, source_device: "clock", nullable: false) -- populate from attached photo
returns 11:45
